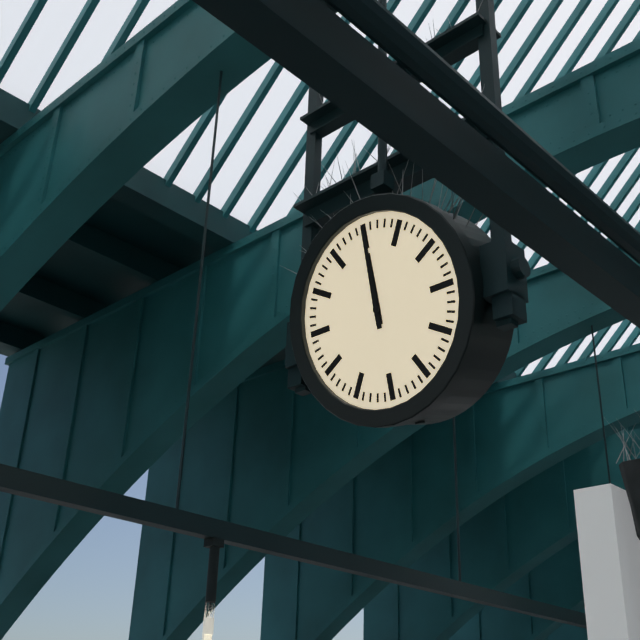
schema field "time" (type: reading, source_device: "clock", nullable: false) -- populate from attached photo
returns 12:00
